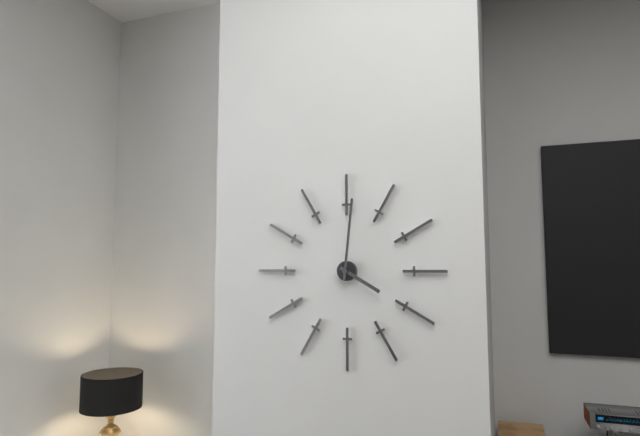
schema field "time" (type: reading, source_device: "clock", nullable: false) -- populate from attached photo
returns 4:01
